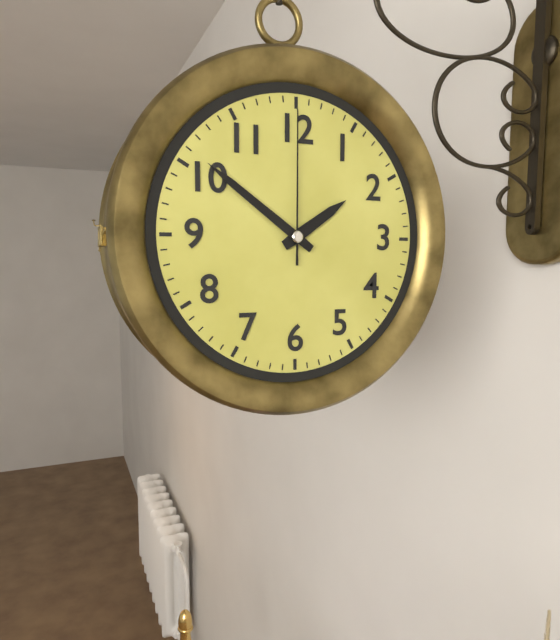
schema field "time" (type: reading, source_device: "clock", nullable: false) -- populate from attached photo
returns 1:51:00
